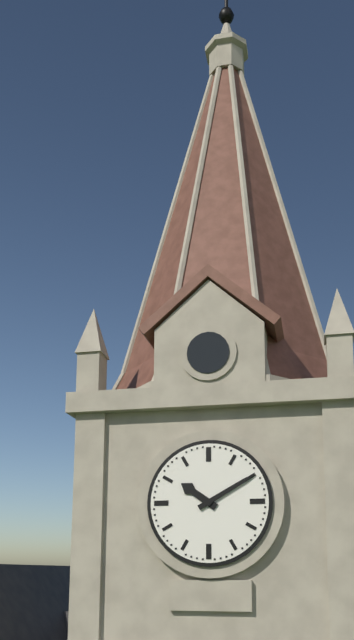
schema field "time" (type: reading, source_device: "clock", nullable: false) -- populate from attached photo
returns 10:10
